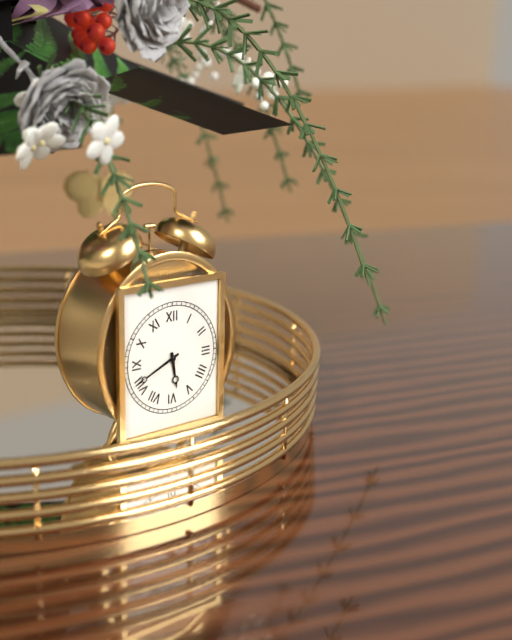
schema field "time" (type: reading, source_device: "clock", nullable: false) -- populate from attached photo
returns 5:41
